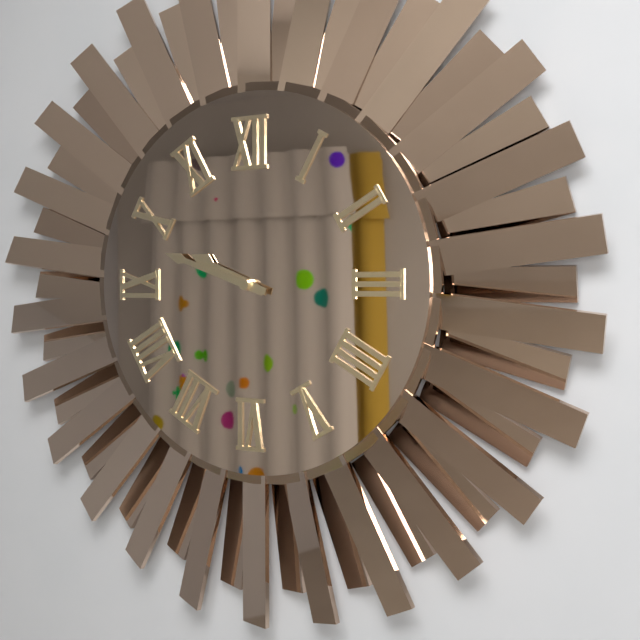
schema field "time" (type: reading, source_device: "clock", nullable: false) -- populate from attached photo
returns 9:48
